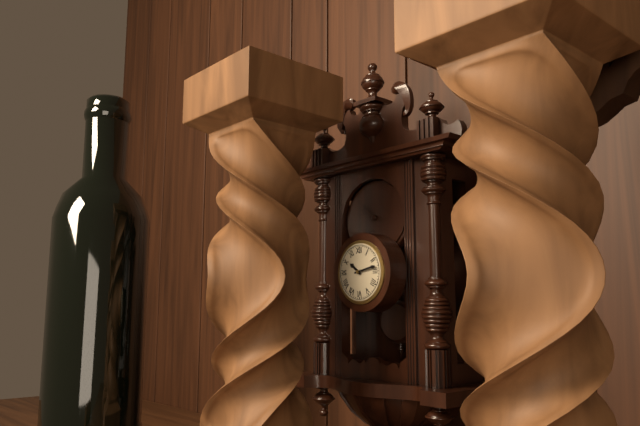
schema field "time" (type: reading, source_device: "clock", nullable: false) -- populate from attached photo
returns 10:13
